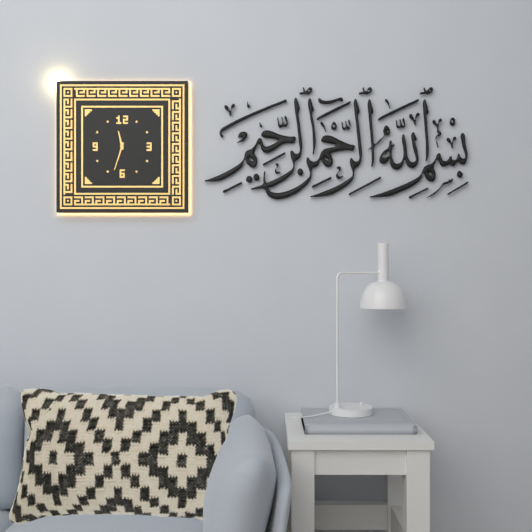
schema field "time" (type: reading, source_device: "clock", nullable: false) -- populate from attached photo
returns 11:33
